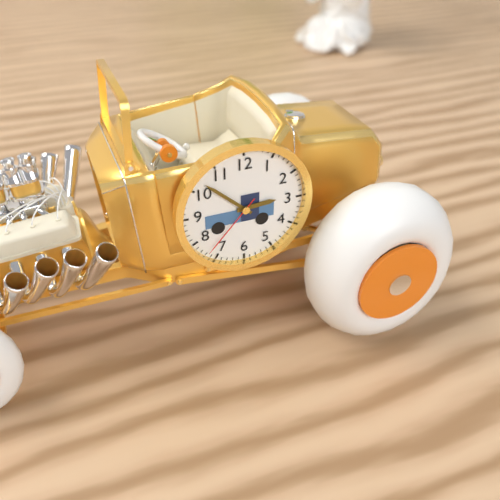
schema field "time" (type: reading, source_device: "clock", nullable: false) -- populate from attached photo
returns 2:52:37
